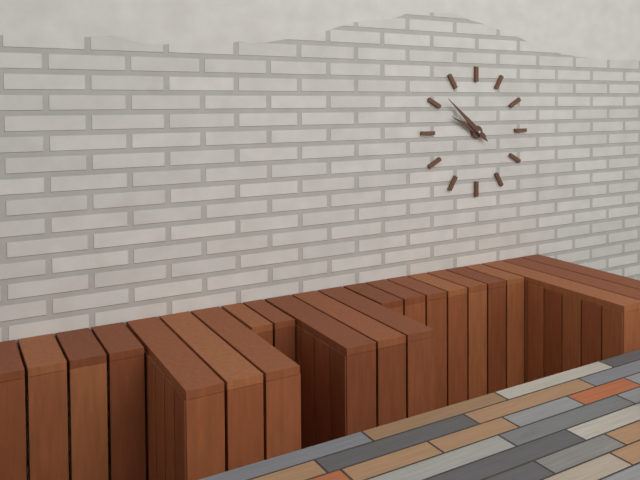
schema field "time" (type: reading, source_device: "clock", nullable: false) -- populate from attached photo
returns 9:52
